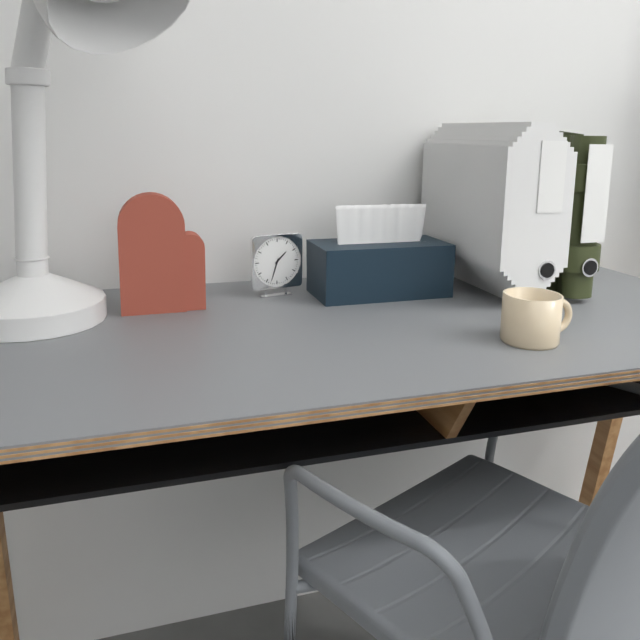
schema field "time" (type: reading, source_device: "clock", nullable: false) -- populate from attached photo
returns 1:33
